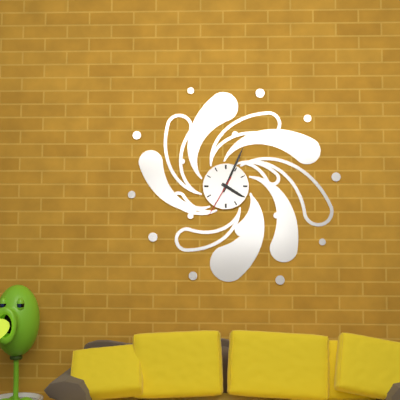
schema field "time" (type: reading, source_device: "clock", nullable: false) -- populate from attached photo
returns 4:04
